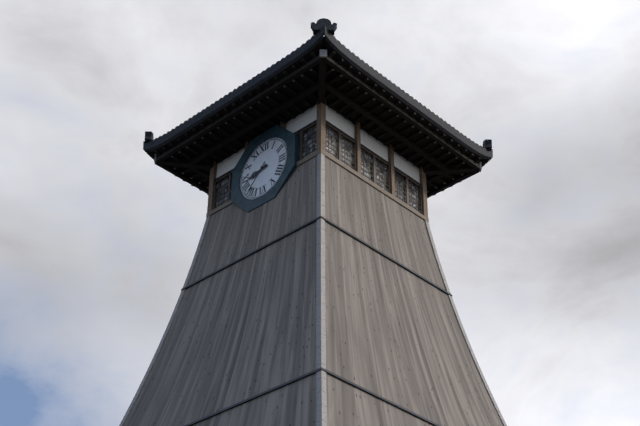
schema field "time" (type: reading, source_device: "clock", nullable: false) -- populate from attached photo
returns 8:37
